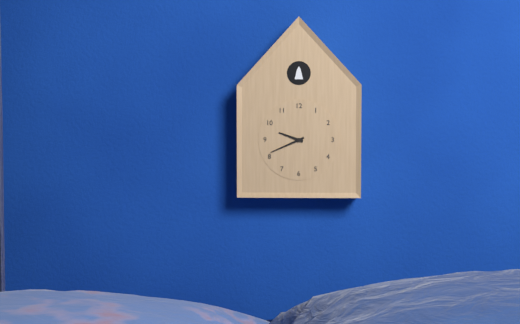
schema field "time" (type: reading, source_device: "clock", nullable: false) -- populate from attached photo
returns 9:41
